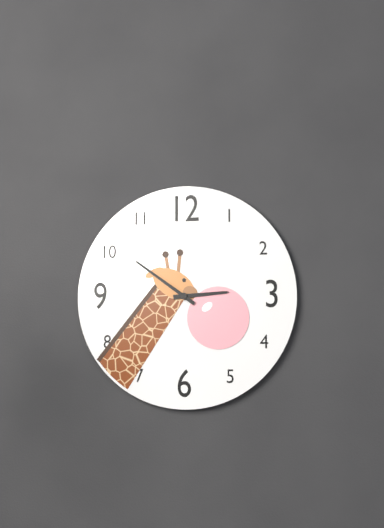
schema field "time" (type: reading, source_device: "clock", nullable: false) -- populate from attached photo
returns 2:51
